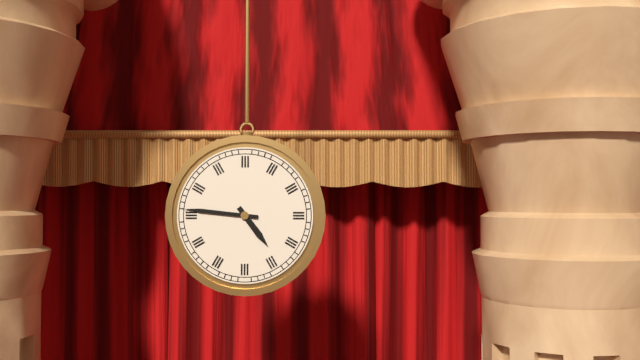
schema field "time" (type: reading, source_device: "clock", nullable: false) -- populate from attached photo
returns 4:46
